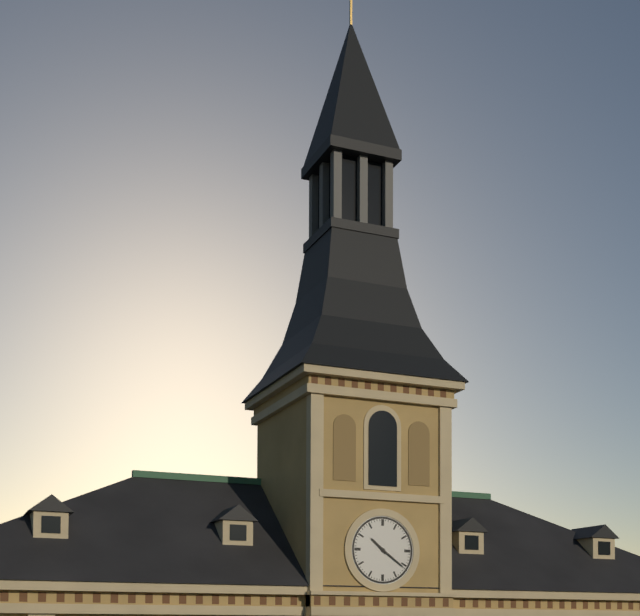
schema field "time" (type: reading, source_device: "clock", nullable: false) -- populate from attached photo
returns 10:21
